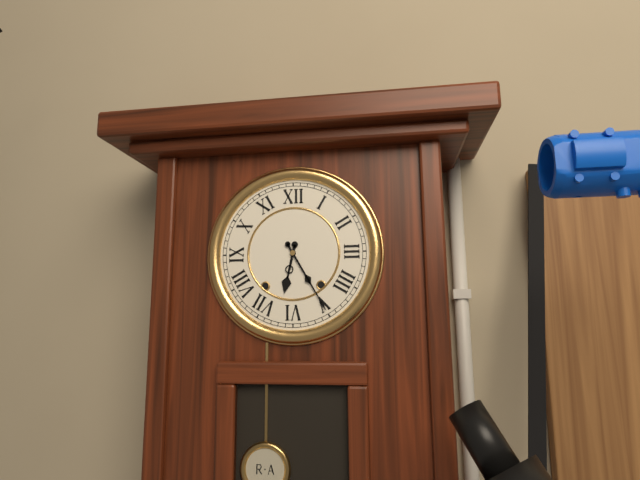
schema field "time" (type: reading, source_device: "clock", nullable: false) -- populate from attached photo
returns 6:25
